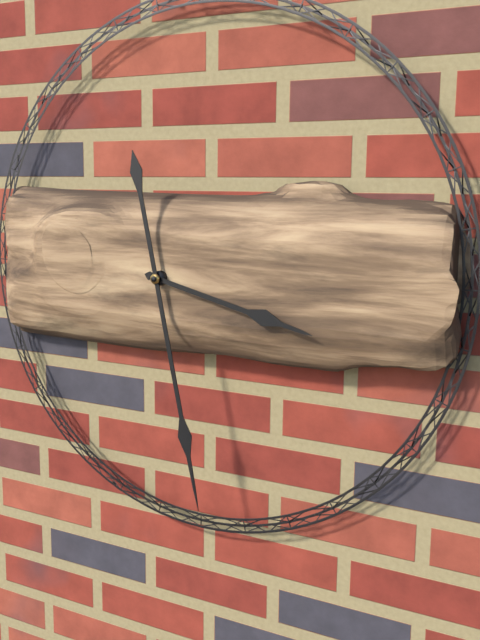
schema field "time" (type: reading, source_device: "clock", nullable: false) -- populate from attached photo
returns 3:28
